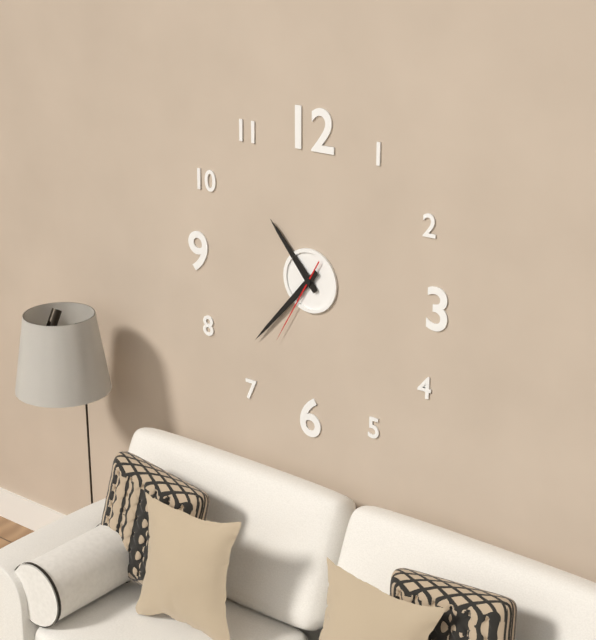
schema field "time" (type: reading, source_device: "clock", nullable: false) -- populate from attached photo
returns 10:37:35
